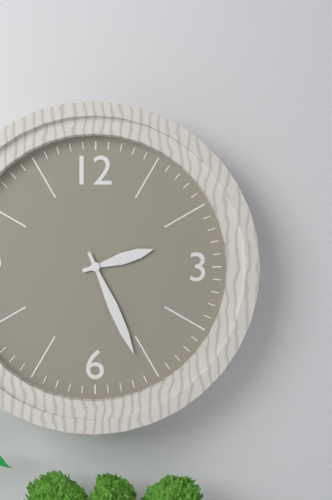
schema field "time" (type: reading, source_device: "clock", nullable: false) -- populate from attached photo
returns 2:26
